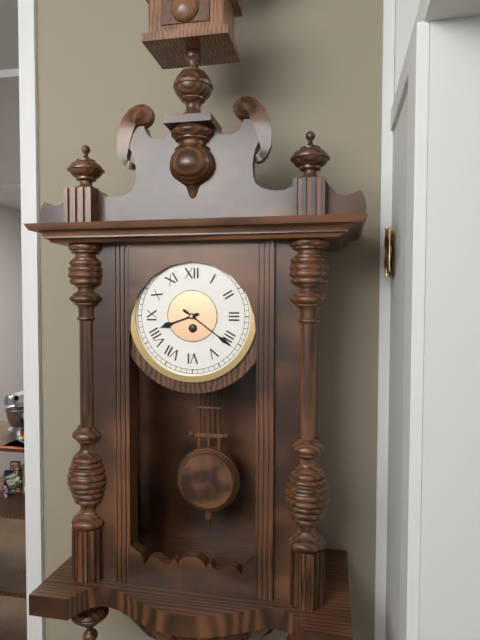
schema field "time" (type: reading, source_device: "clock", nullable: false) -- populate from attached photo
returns 8:21
